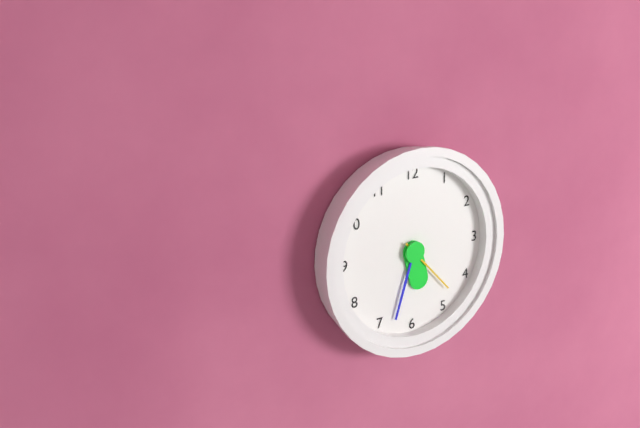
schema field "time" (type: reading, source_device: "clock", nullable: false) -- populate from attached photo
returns 5:33:23
